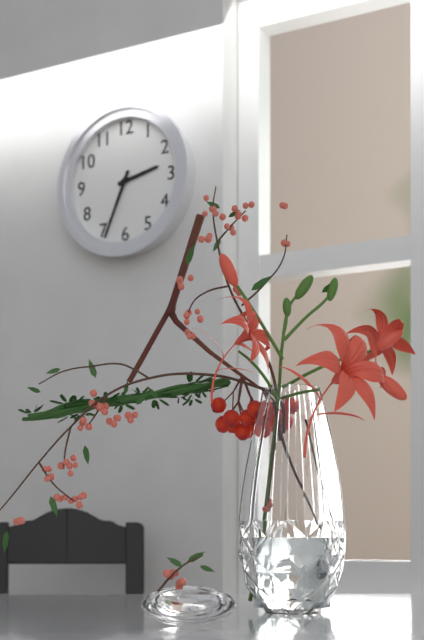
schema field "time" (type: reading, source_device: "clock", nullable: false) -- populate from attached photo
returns 2:34
